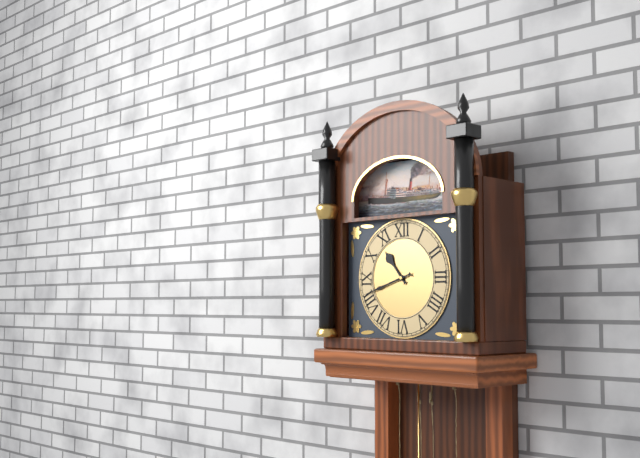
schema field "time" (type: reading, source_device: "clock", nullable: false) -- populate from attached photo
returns 10:42
